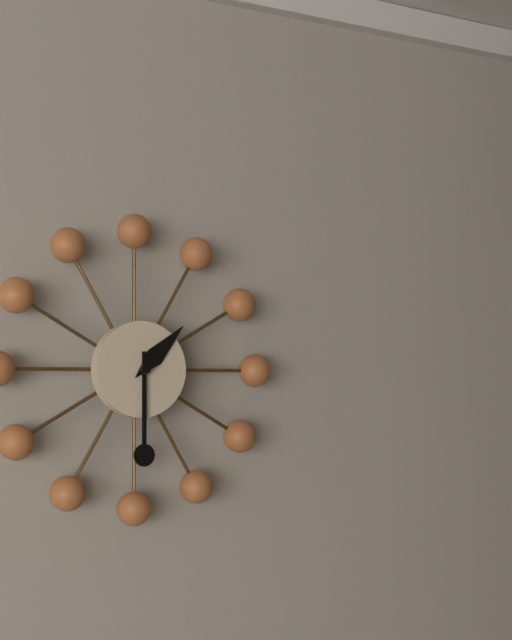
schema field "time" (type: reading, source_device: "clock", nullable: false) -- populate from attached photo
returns 1:30
